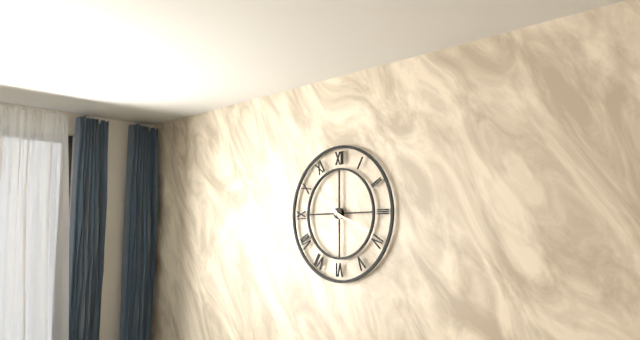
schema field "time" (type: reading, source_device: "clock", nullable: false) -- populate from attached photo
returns 10:19
